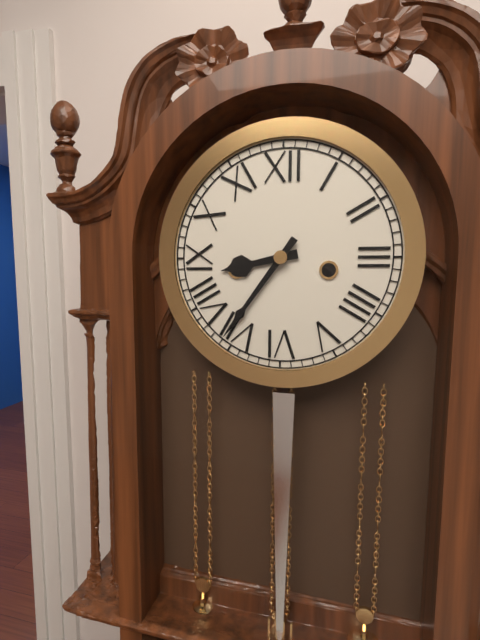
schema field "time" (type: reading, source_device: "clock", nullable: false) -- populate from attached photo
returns 8:36
